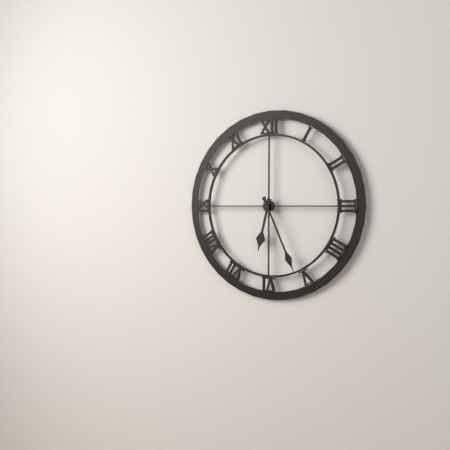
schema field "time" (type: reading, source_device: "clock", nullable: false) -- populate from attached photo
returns 6:26
